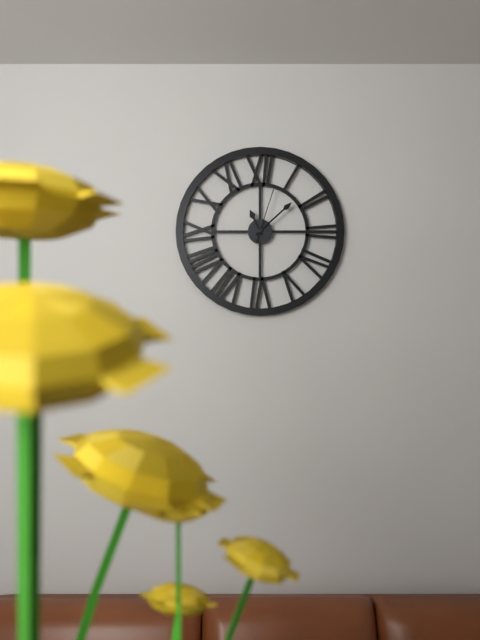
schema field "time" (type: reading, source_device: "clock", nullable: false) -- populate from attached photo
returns 11:08:03
